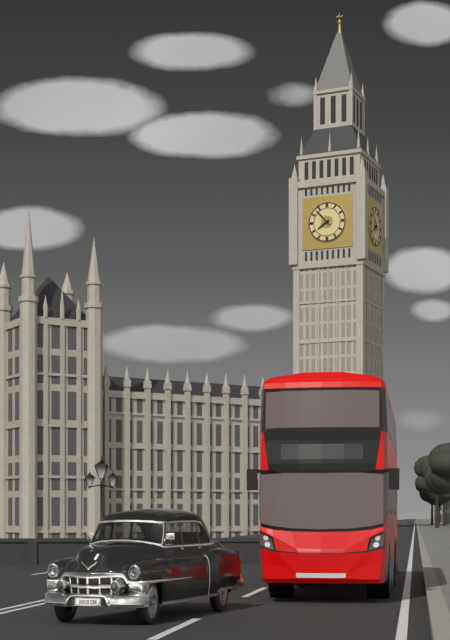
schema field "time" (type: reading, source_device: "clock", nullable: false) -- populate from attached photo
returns 7:53
